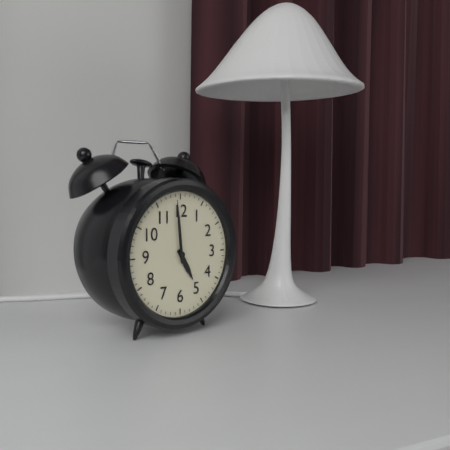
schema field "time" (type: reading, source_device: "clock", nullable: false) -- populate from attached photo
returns 4:59
